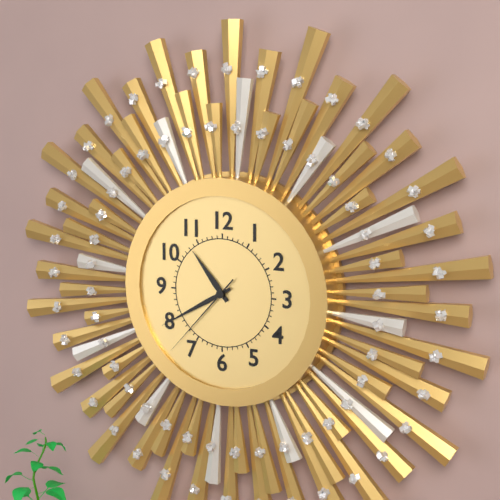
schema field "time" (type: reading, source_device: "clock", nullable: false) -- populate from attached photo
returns 10:40:37
